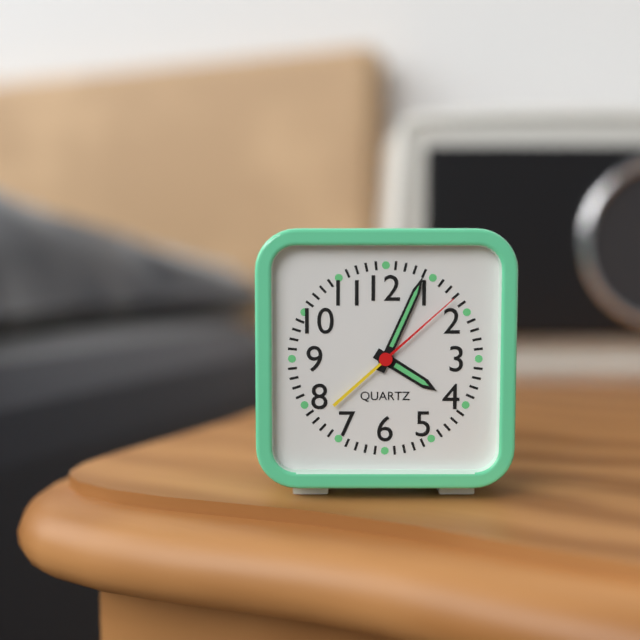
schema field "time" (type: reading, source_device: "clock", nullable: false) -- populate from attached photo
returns 4:04:08
